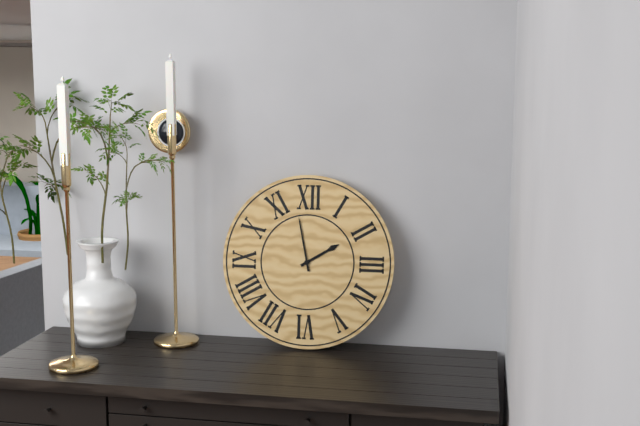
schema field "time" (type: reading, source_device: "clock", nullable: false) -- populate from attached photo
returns 1:58
